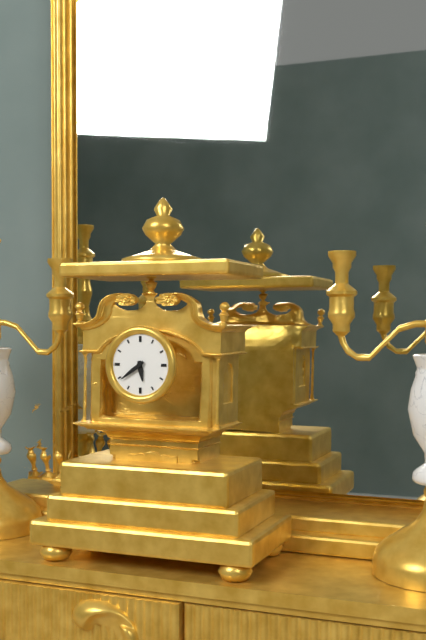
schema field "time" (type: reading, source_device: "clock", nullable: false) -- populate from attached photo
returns 5:39
